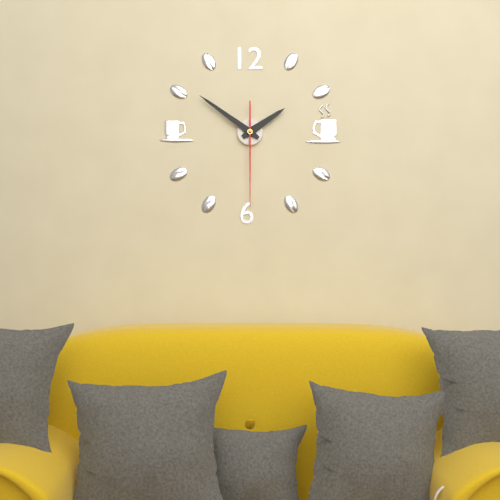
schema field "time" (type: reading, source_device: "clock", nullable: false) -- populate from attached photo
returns 1:51:30
